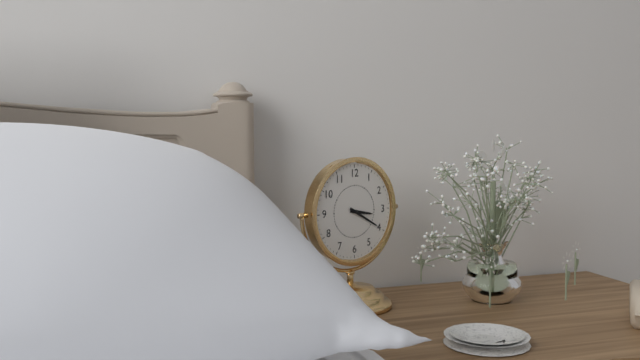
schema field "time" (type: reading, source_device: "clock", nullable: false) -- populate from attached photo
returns 3:20
